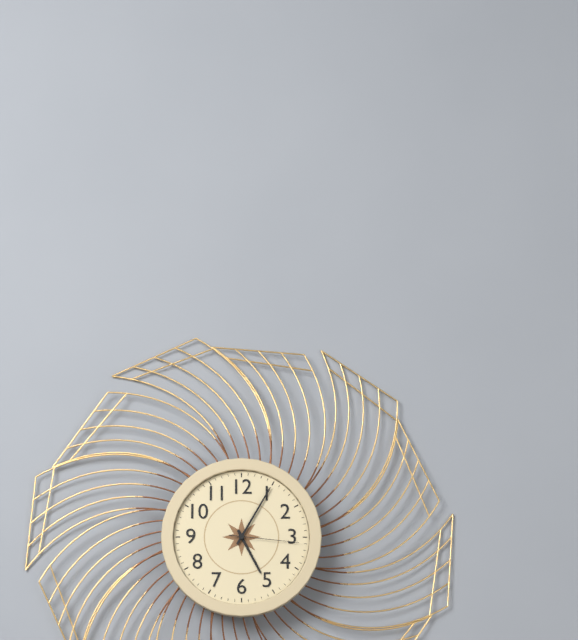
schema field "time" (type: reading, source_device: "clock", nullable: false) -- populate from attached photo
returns 5:05:16
